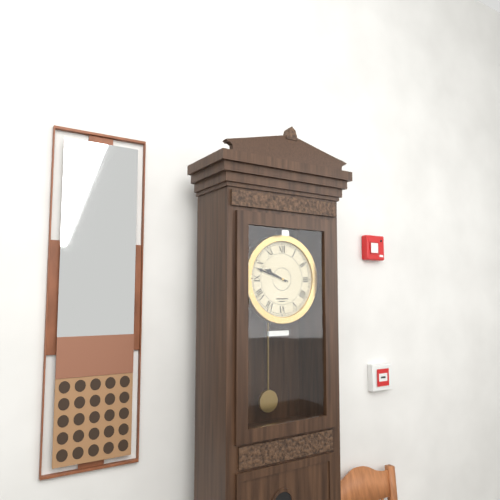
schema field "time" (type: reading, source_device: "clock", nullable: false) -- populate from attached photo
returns 9:48
